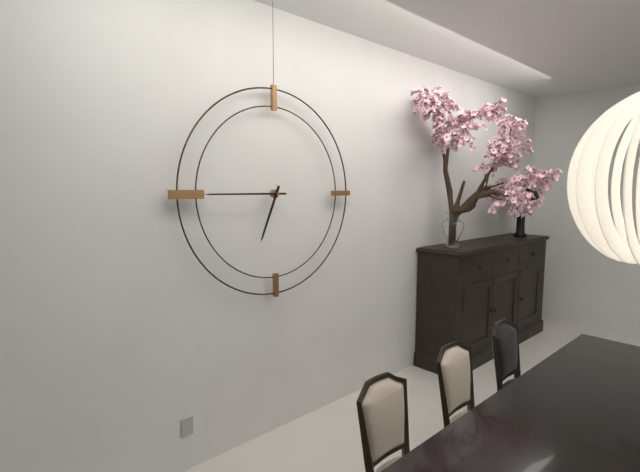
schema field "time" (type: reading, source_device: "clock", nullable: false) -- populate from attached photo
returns 6:45
